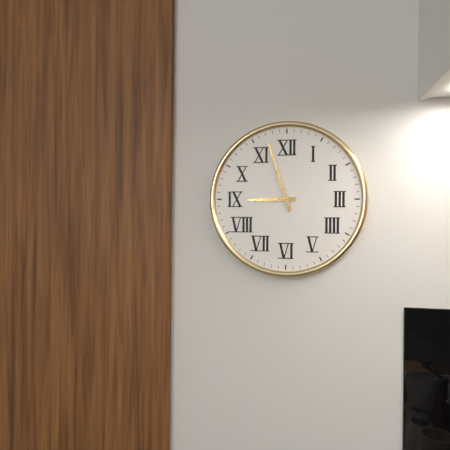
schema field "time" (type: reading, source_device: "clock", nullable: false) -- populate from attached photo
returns 8:57
